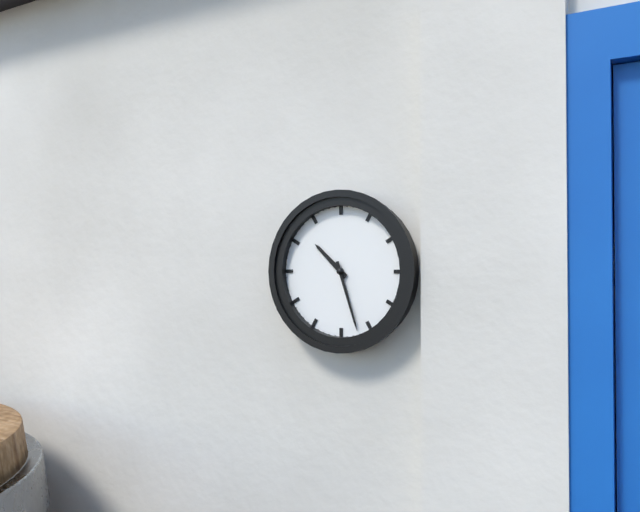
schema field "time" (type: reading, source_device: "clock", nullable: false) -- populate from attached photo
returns 10:27
